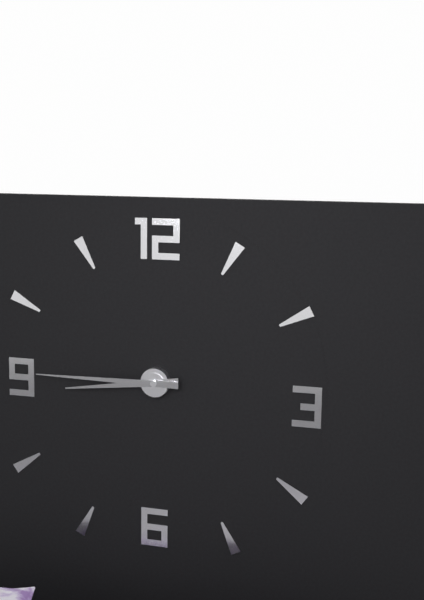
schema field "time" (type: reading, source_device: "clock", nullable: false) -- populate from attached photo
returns 8:45
